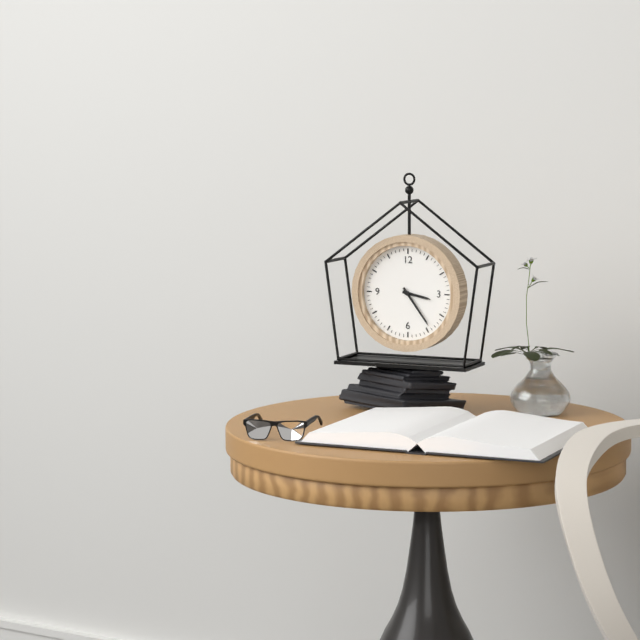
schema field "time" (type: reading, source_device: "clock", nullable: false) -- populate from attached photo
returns 3:24
